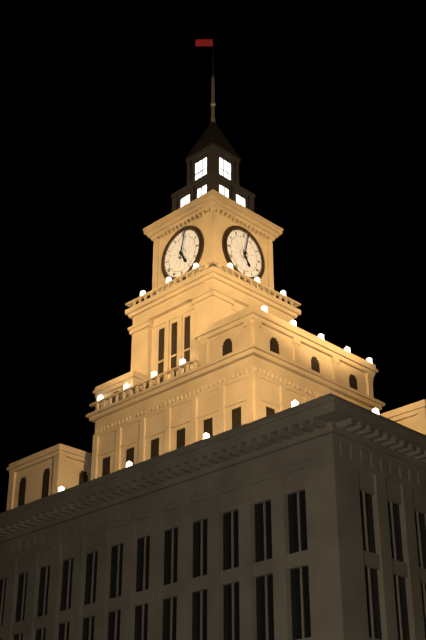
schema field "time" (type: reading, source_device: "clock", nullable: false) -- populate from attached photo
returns 5:02
